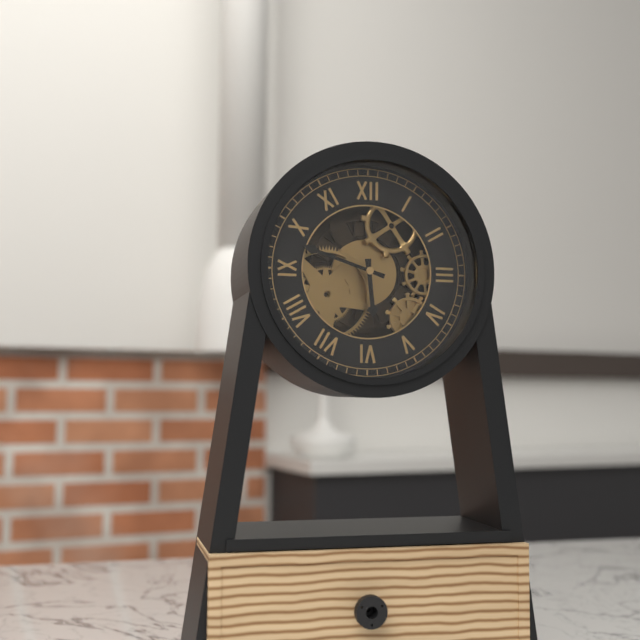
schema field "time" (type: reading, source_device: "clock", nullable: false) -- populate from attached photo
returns 5:48
